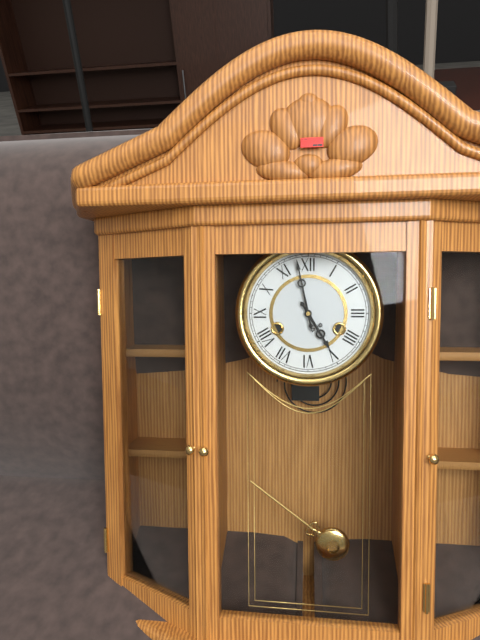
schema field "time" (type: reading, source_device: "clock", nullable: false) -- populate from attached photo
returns 4:58
